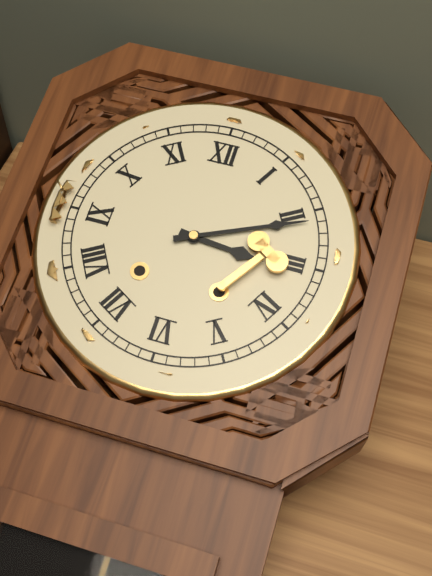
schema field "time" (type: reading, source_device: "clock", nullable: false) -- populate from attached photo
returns 3:11
